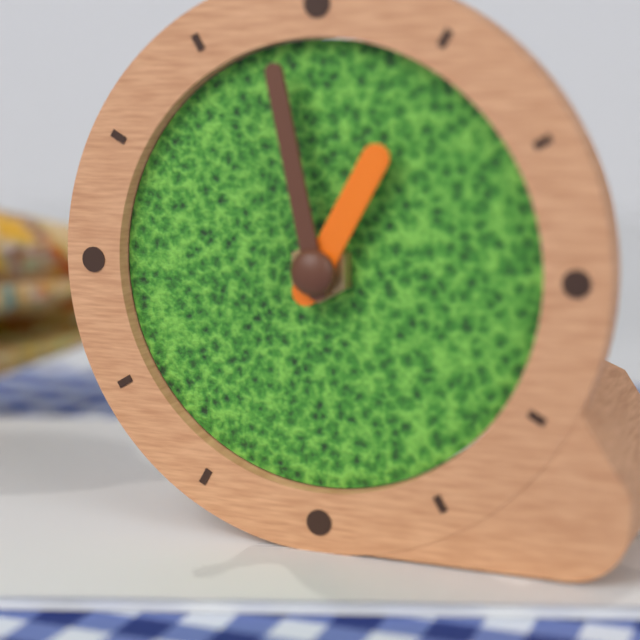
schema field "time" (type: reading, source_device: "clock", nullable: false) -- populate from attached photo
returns 12:58
